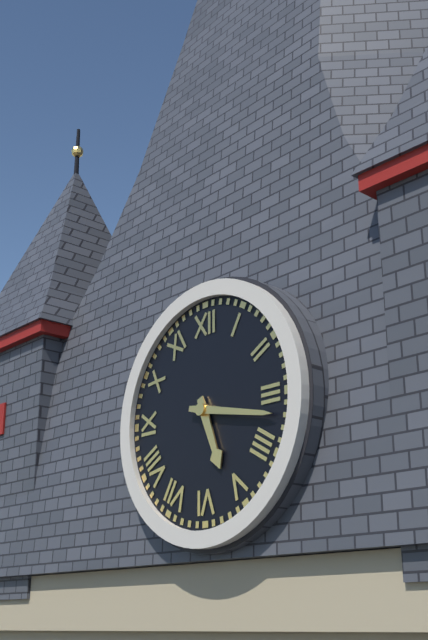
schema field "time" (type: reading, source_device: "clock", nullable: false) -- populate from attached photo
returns 5:17
